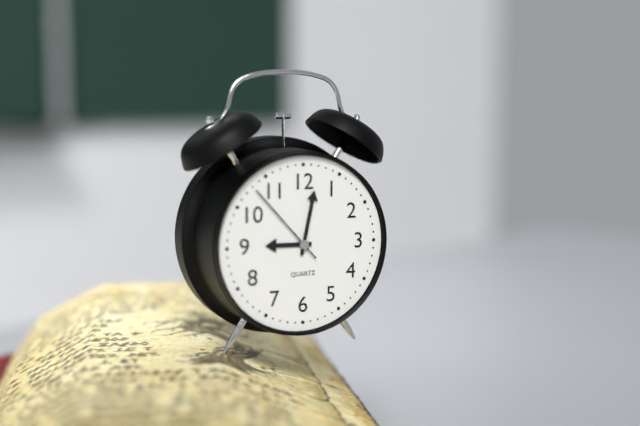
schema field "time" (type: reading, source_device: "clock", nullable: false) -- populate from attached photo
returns 9:02:53
